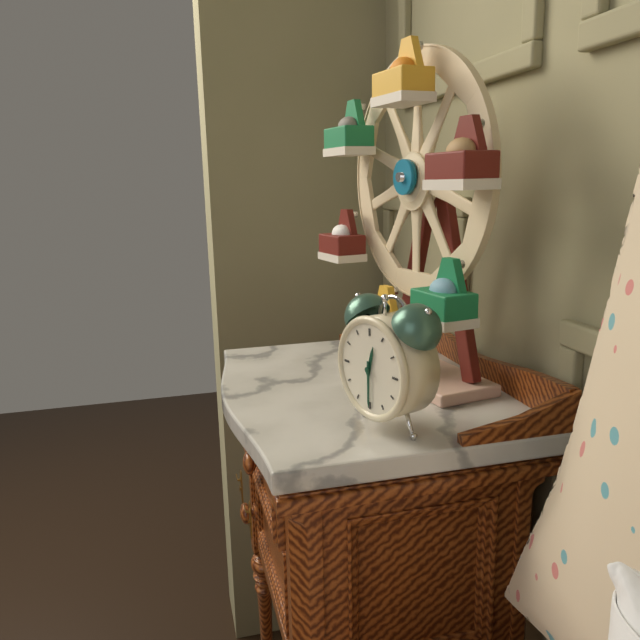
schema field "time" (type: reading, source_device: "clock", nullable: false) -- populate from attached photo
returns 12:30
